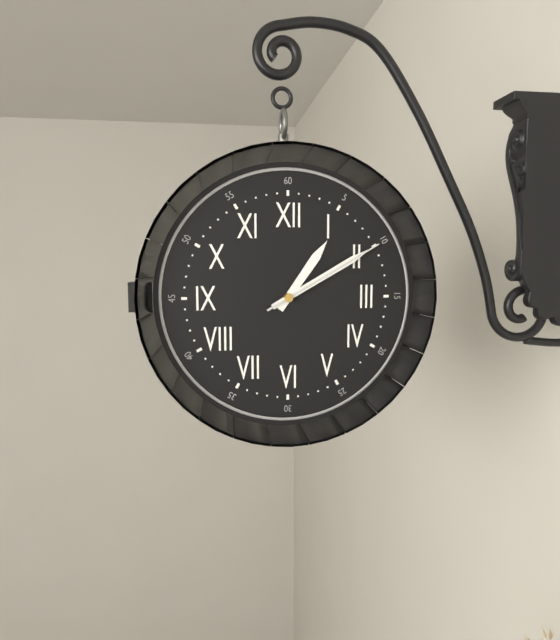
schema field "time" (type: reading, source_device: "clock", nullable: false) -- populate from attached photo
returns 1:10:10
